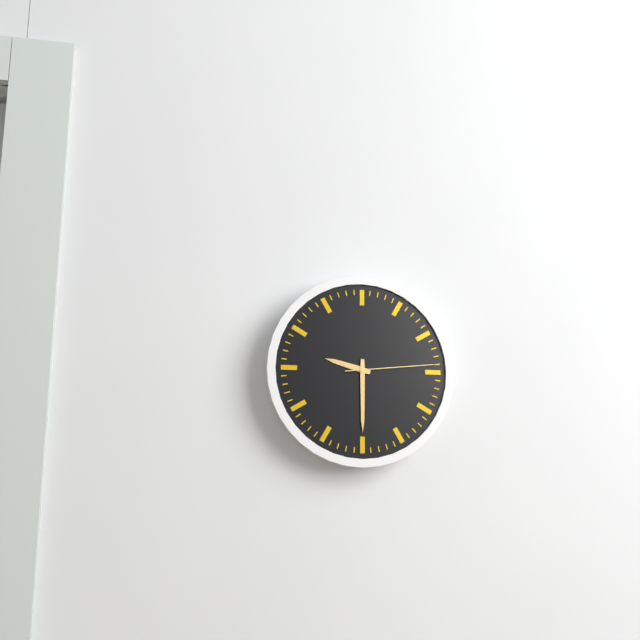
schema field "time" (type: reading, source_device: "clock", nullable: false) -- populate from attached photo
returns 9:30:14
